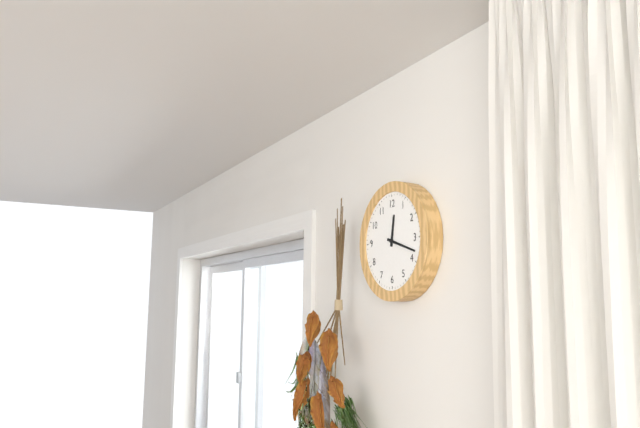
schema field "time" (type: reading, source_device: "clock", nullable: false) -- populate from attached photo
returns 12:18
